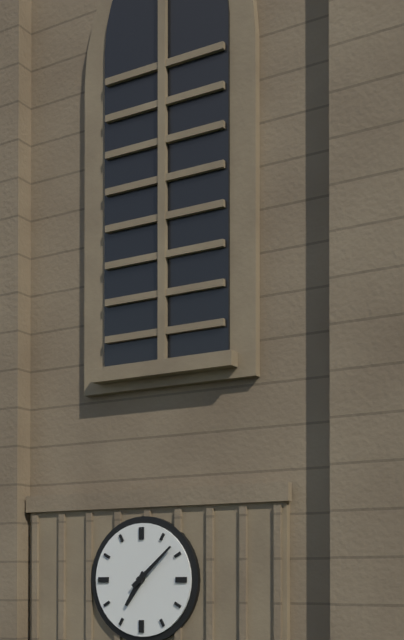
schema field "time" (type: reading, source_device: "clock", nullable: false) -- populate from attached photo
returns 7:08
